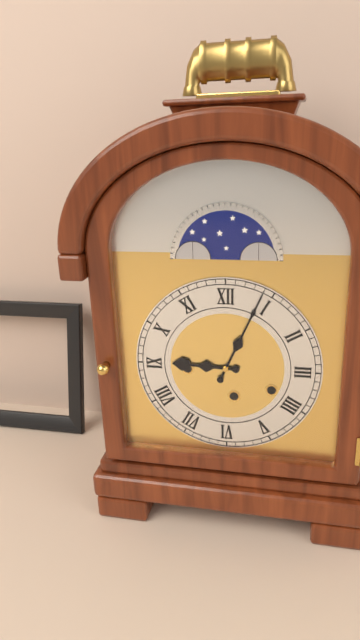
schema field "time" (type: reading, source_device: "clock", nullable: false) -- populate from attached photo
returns 9:04
